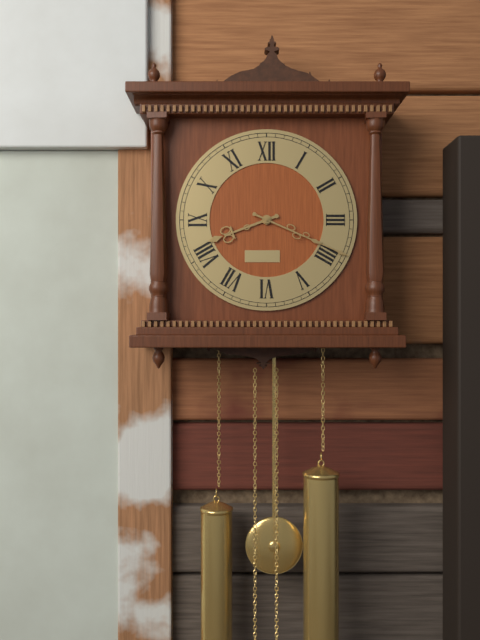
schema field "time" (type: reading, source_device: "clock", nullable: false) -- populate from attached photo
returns 8:19
